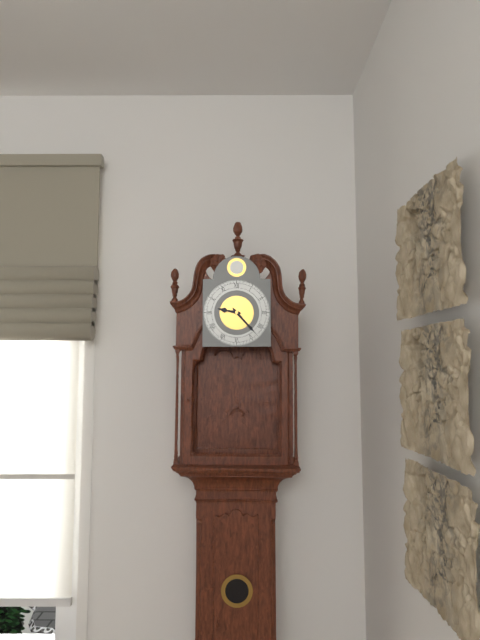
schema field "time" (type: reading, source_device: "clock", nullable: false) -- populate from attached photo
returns 9:23
